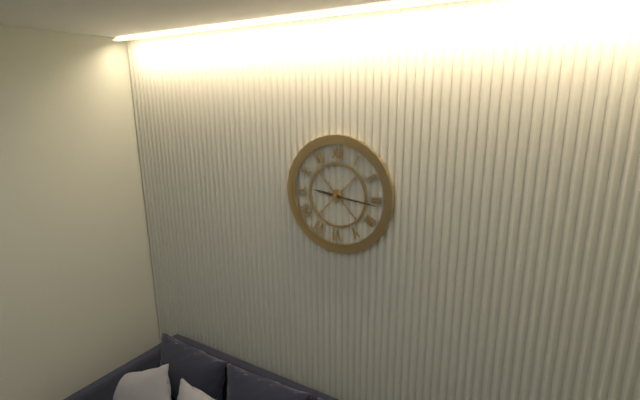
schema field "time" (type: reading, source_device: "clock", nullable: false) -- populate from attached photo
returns 9:16
